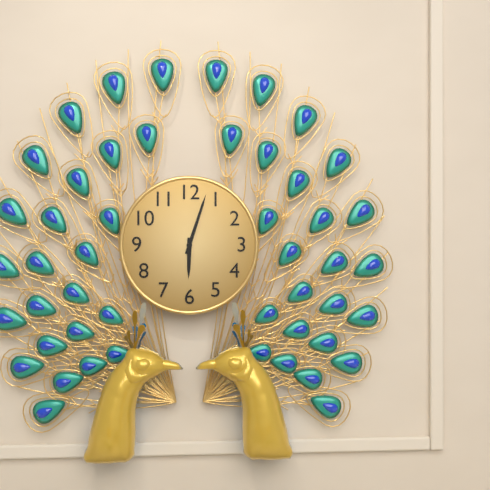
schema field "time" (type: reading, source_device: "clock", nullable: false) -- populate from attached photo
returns 6:03
